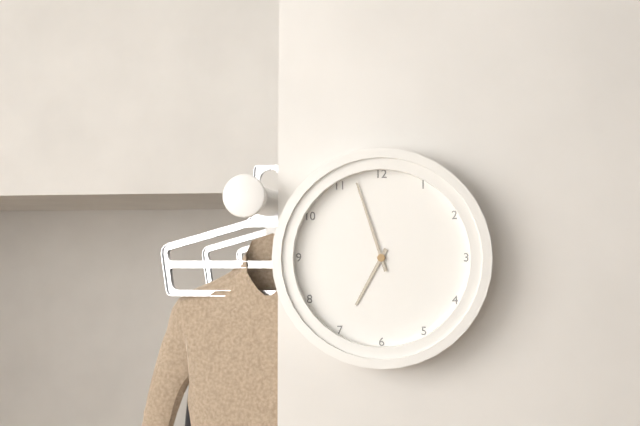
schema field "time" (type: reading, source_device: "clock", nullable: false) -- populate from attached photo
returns 6:57
